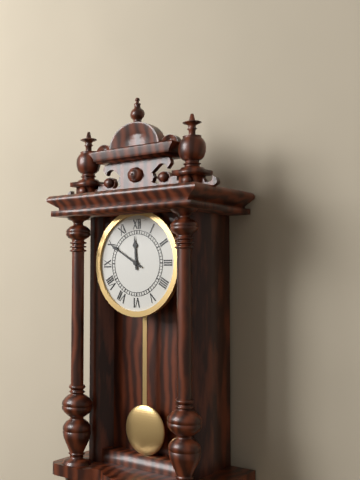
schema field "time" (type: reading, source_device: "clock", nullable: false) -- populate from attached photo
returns 11:50
